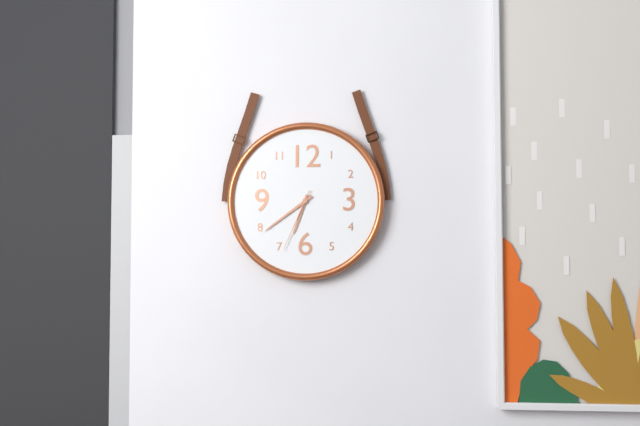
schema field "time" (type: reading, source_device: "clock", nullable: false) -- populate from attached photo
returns 6:39:34
